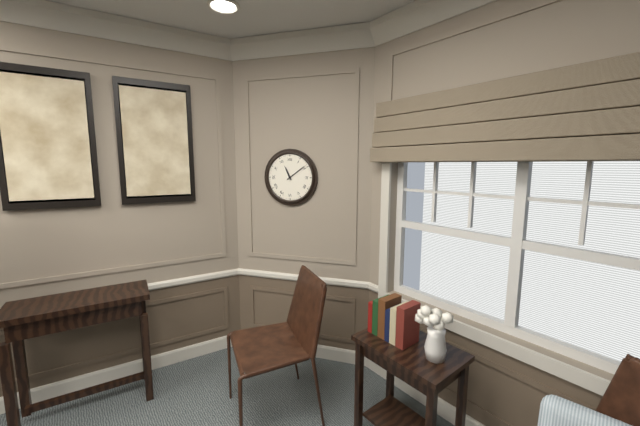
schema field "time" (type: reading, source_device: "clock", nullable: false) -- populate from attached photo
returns 11:09
